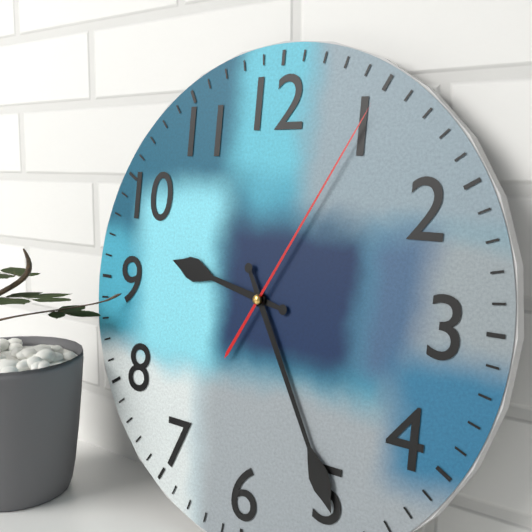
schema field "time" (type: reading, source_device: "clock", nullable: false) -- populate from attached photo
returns 9:25:05
